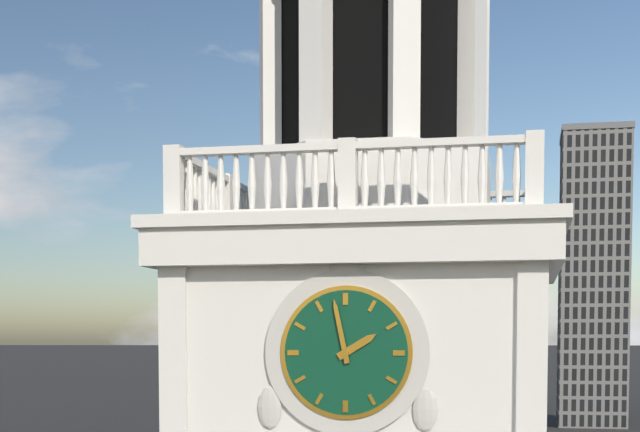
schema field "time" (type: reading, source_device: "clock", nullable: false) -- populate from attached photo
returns 1:58
